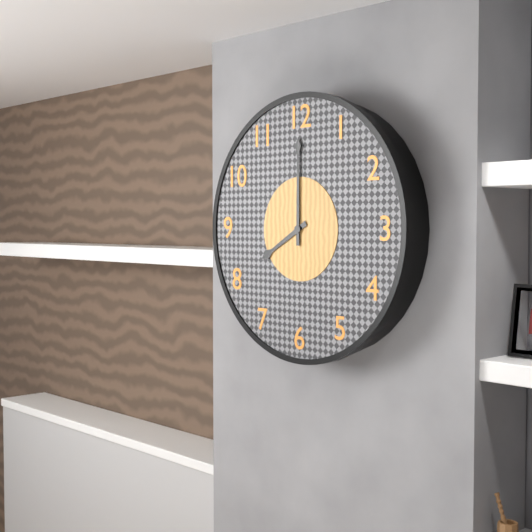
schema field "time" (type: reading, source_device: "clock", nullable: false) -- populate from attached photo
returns 8:00
